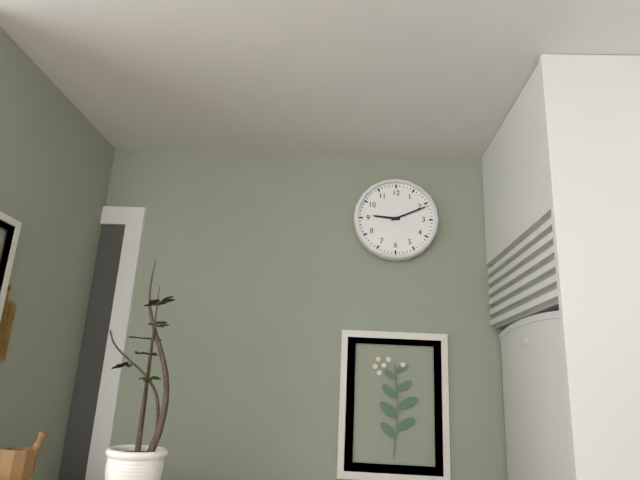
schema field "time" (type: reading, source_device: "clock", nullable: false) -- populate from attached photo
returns 9:11
